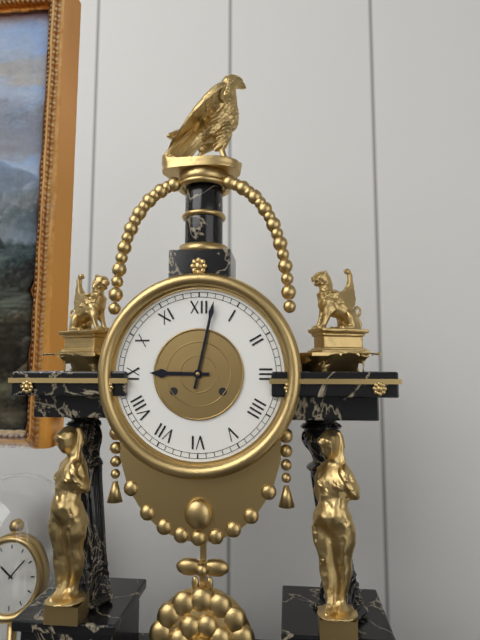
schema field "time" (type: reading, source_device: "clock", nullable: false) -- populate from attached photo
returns 9:02
